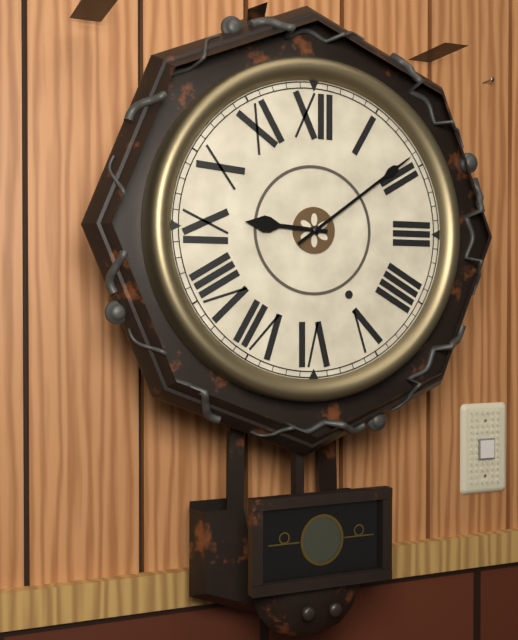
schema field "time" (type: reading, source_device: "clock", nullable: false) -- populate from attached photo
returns 9:09
